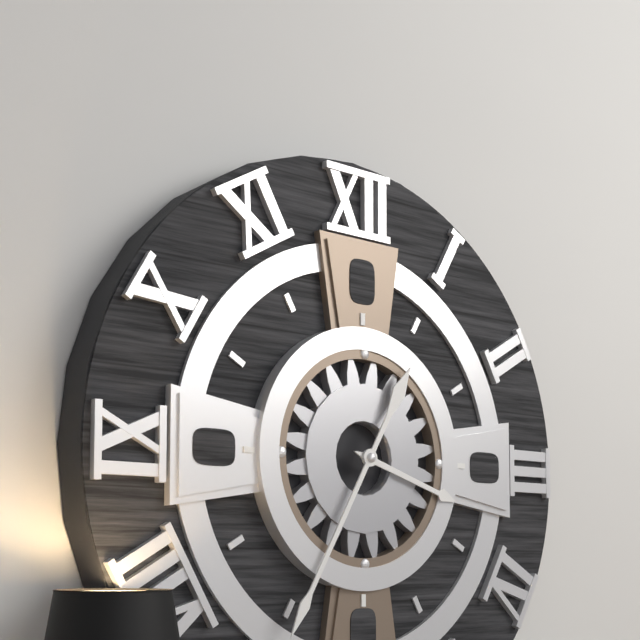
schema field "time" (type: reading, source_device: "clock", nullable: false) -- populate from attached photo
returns 3:35
